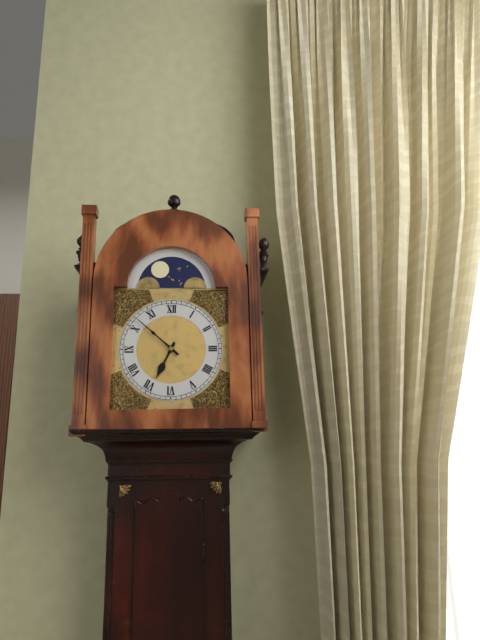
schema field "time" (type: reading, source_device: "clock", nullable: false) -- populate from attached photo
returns 6:52
